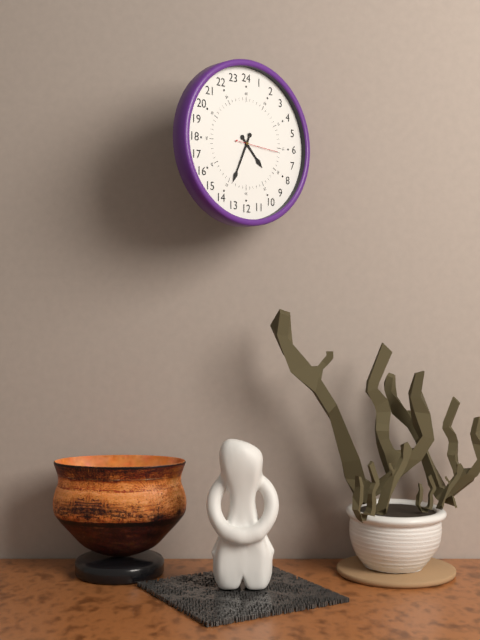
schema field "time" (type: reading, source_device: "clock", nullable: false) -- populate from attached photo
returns 4:34:16
